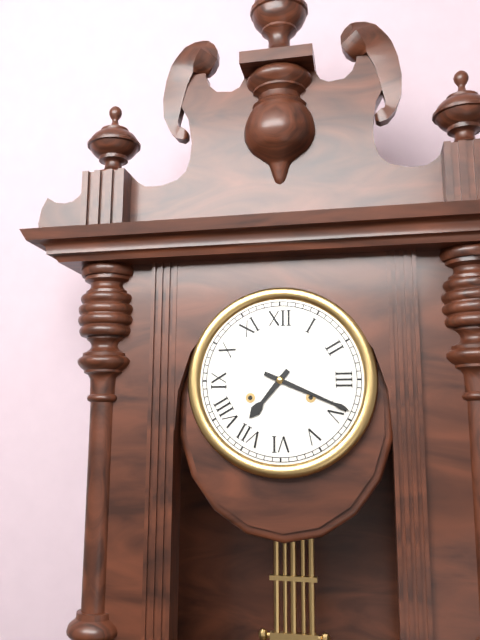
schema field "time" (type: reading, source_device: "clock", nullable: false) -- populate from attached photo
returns 7:19
